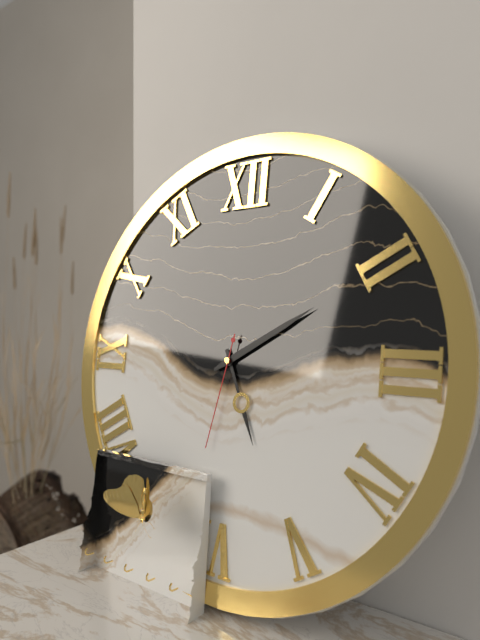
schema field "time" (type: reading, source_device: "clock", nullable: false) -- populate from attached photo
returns 5:10:32
